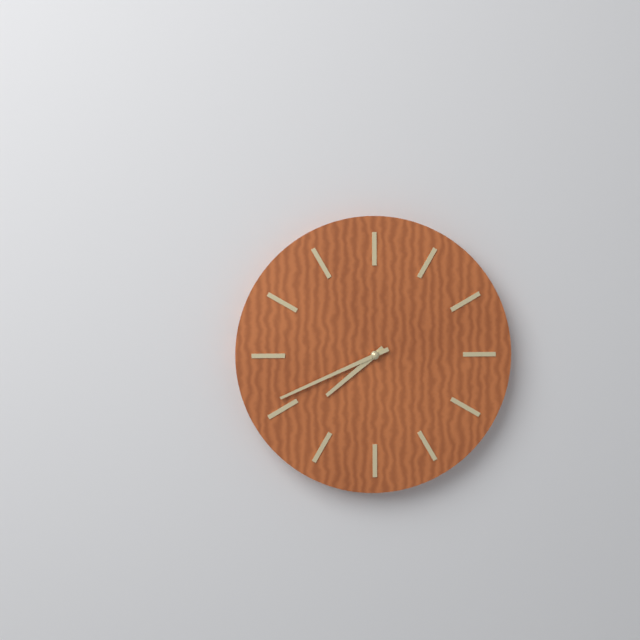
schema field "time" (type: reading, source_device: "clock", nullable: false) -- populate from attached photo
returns 7:41
